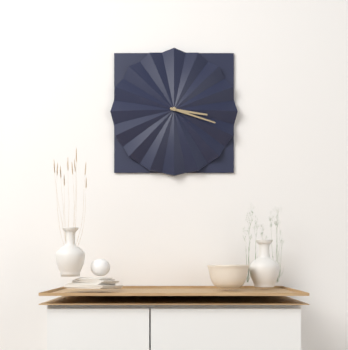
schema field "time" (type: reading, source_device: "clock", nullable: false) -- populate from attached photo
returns 3:18
